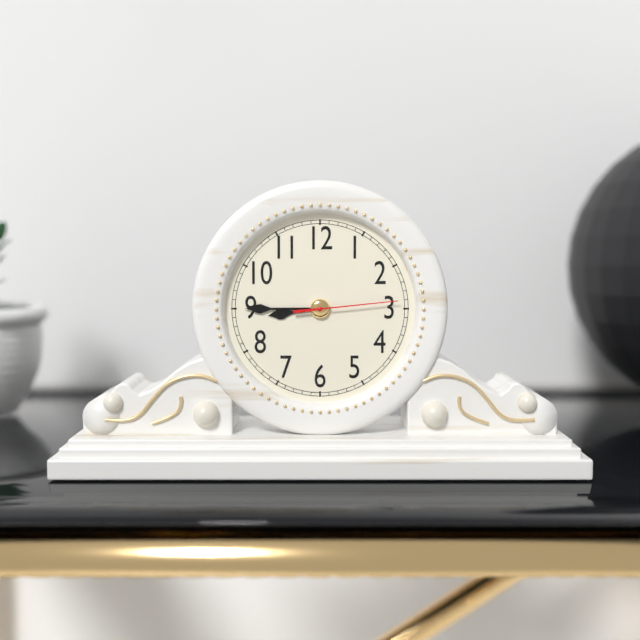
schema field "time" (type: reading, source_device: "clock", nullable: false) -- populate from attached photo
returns 8:45:14
